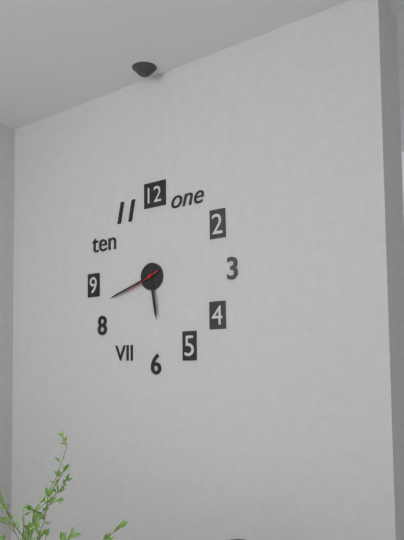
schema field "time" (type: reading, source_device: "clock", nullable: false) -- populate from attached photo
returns 5:42
